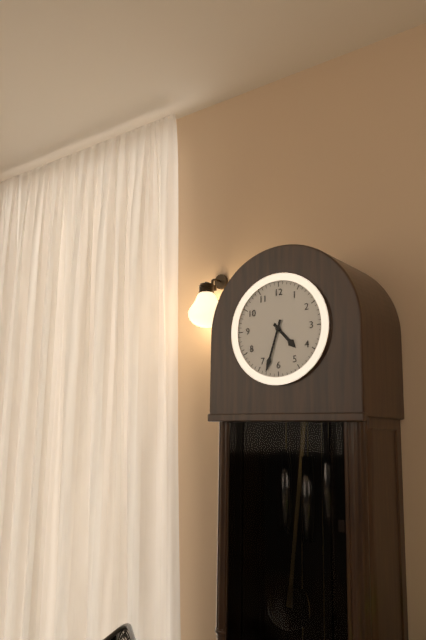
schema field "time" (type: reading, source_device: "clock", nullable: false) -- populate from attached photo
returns 4:33
